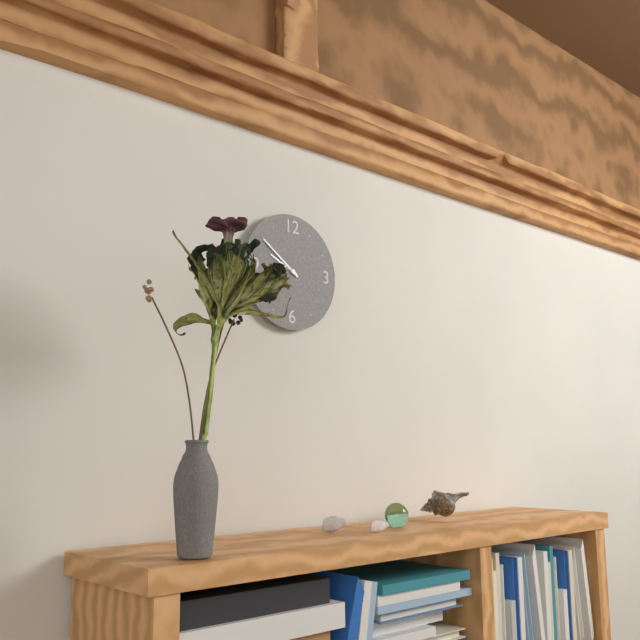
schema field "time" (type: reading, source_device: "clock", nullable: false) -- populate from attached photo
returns 9:51
